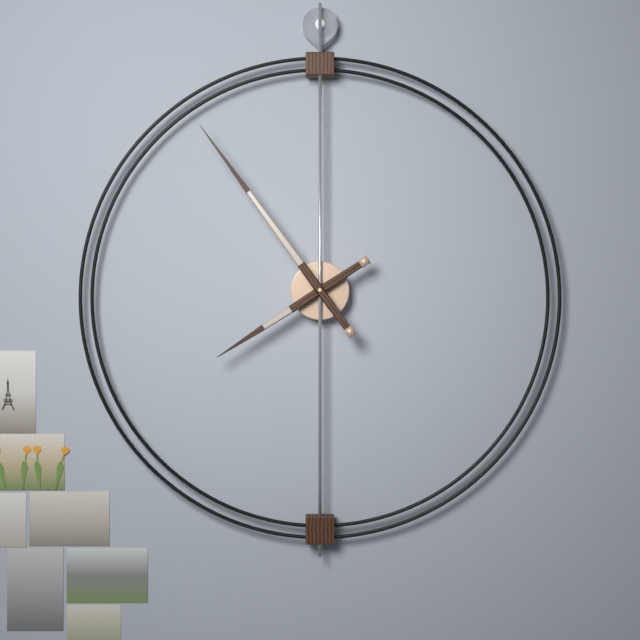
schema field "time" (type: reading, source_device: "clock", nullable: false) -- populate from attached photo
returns 7:54
